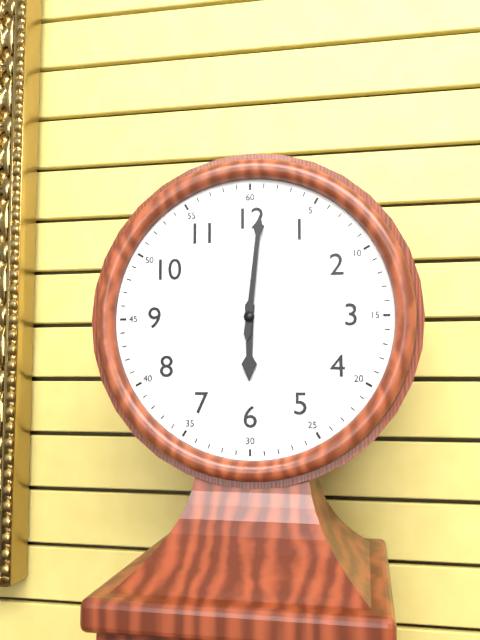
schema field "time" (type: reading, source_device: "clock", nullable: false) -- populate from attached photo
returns 6:01
